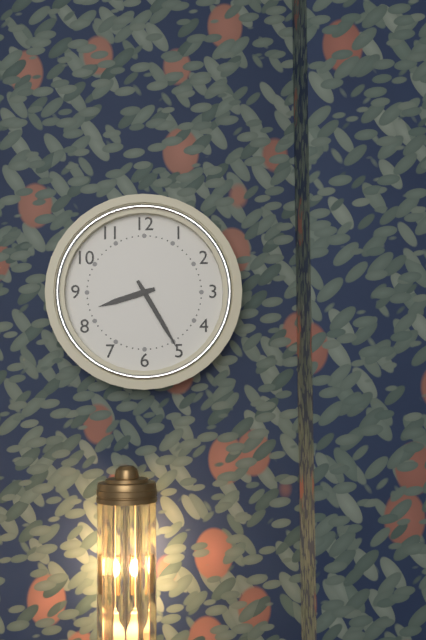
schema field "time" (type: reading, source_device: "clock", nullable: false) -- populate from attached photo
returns 8:25
